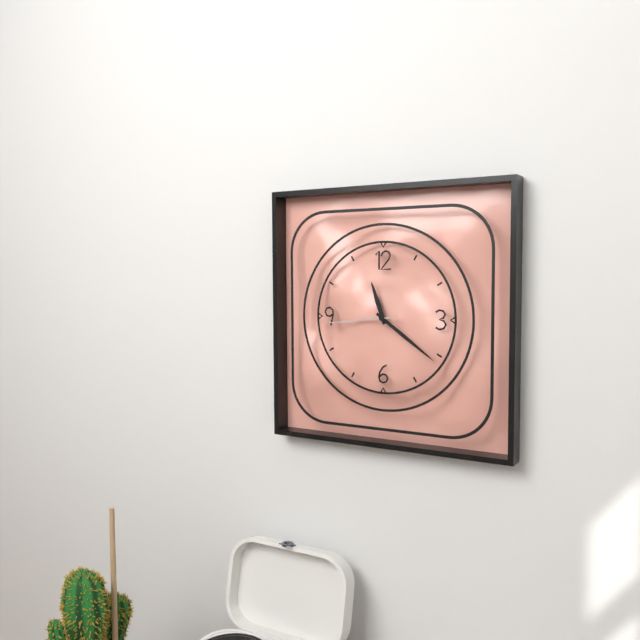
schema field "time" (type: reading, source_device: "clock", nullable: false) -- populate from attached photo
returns 11:21:44
